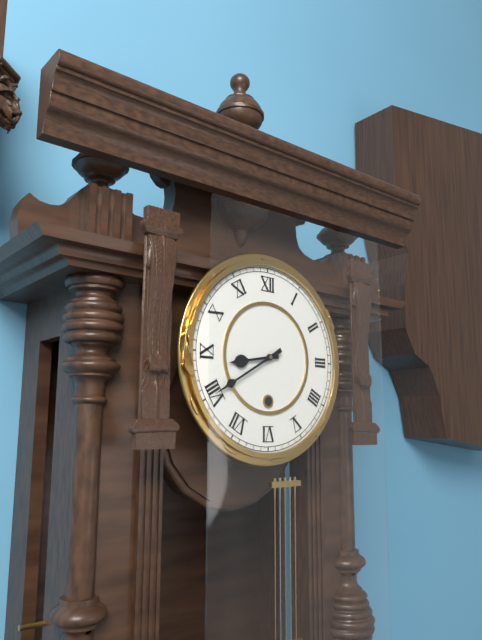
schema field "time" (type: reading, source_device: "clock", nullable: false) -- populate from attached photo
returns 8:40
